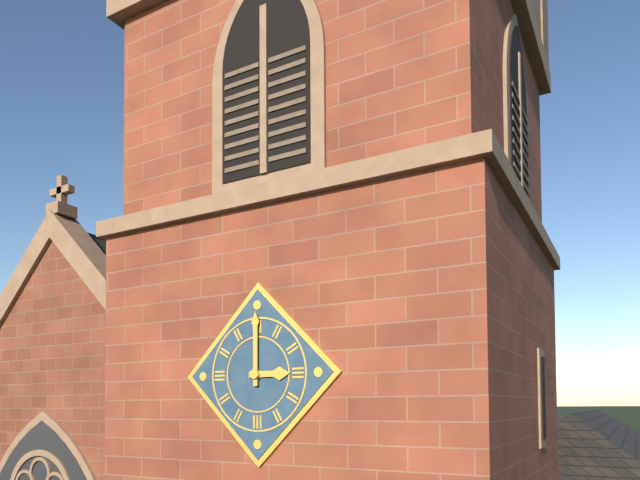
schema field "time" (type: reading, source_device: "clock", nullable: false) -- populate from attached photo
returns 3:00
